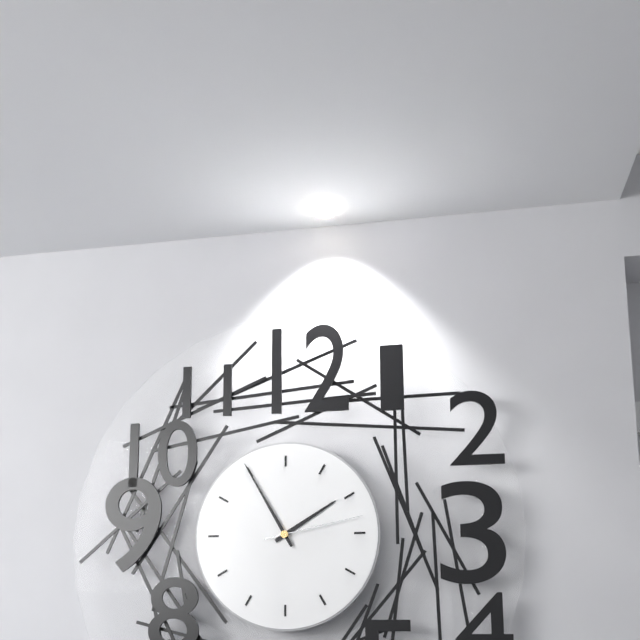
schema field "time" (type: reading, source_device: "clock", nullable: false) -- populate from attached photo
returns 1:55:13
